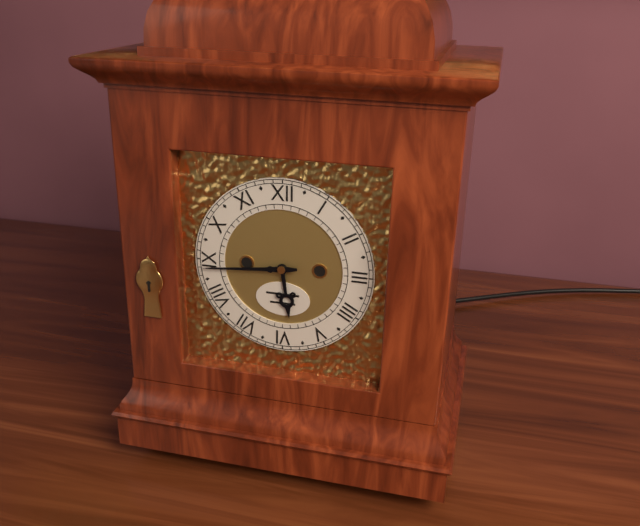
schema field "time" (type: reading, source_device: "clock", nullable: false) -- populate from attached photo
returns 5:44
